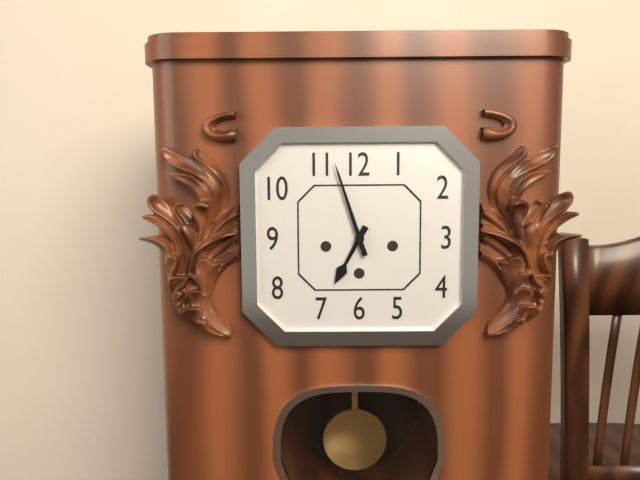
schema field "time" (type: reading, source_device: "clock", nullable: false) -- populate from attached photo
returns 6:57
